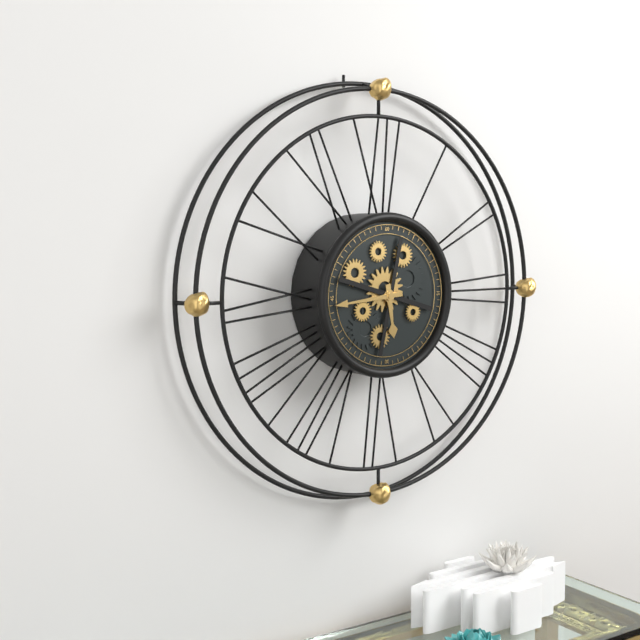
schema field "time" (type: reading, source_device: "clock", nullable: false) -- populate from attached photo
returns 5:44
